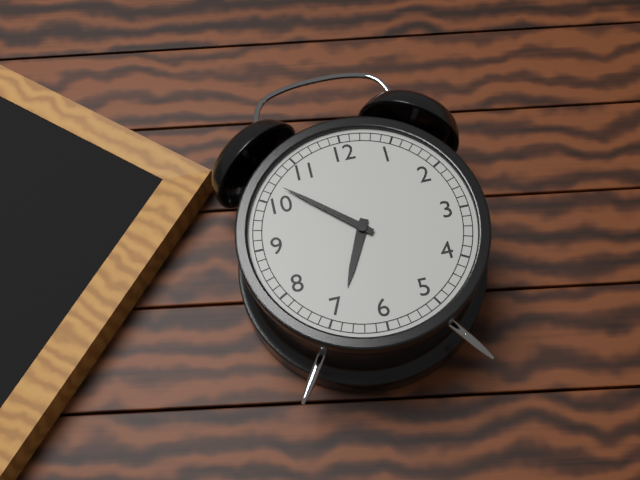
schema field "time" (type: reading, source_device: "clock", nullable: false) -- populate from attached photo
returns 6:52
